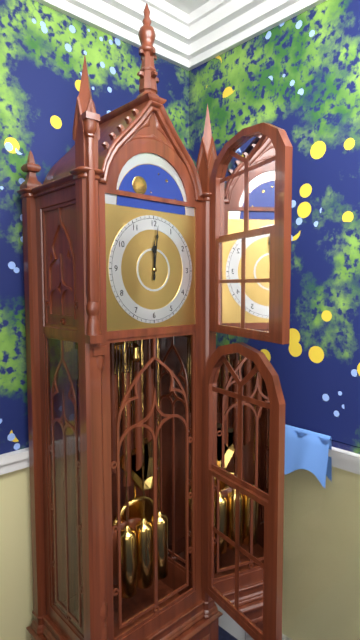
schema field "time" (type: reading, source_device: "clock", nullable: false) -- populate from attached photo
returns 12:01
